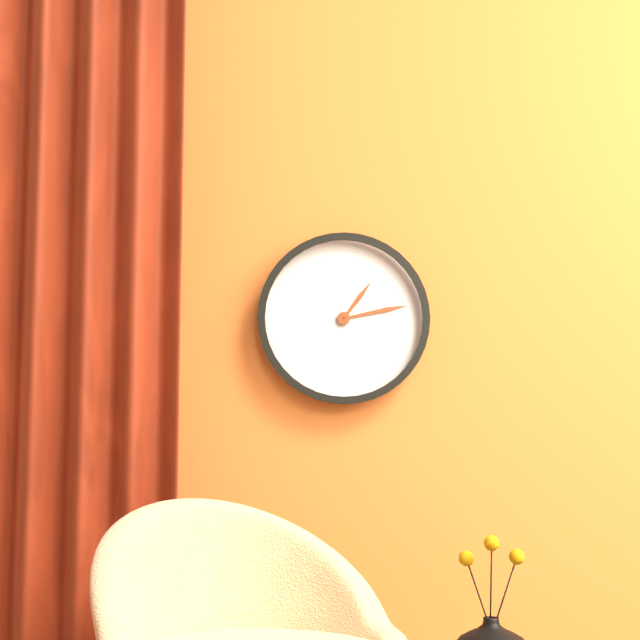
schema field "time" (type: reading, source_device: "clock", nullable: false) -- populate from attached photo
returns 1:13
